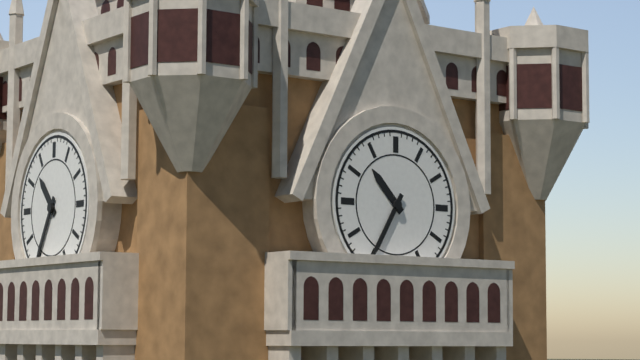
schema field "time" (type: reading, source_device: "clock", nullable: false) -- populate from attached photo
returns 10:35
